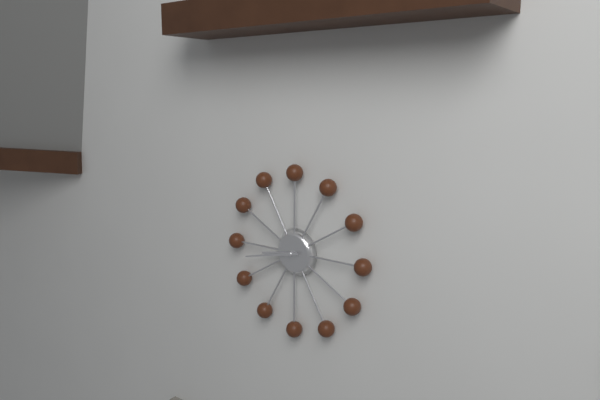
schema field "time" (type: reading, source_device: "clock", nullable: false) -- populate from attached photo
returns 8:43
